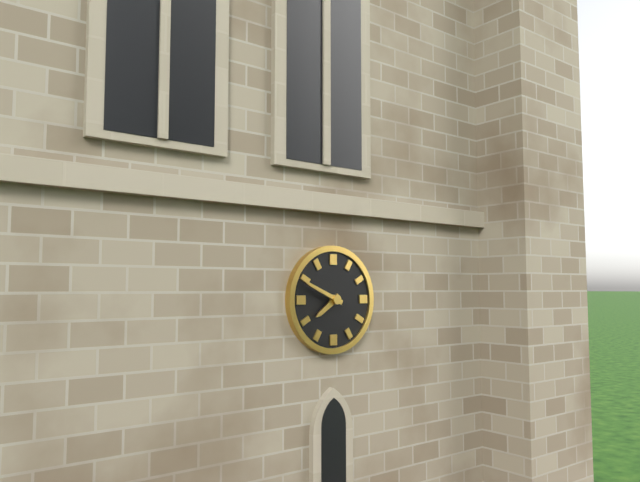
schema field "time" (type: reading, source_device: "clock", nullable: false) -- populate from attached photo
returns 7:49
